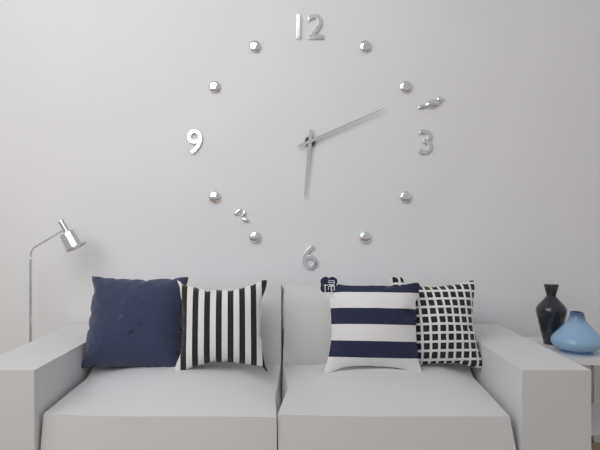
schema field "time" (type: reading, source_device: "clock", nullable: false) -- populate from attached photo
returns 6:11
